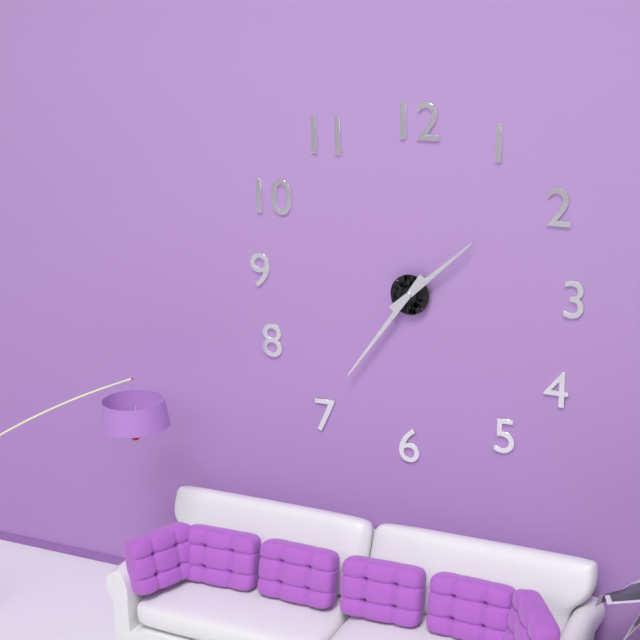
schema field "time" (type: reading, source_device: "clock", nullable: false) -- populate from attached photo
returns 1:36
